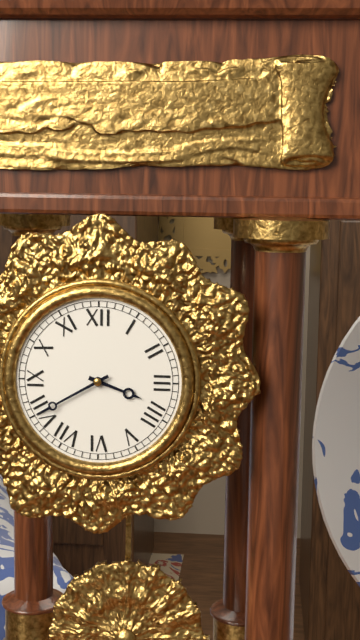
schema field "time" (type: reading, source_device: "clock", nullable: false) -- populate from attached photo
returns 3:40
